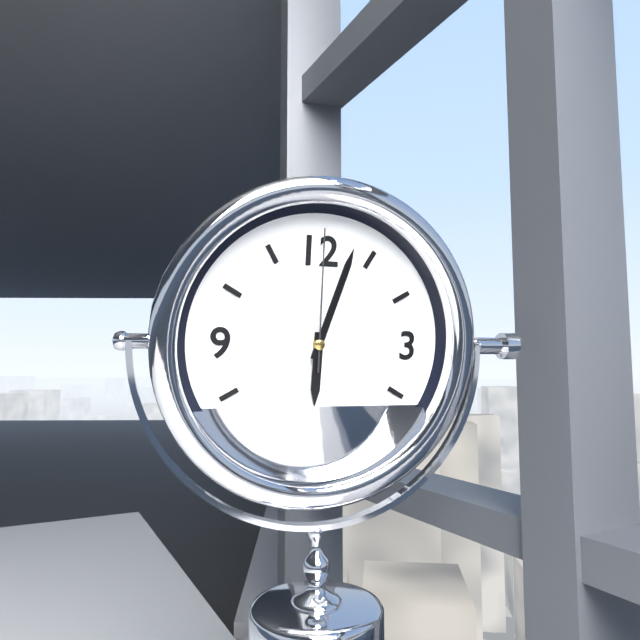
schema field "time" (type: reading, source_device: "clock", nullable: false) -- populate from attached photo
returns 6:03:00
